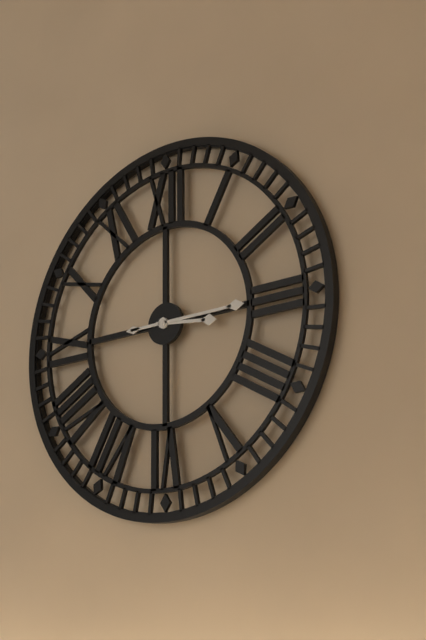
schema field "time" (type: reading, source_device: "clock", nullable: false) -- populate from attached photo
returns 3:15
